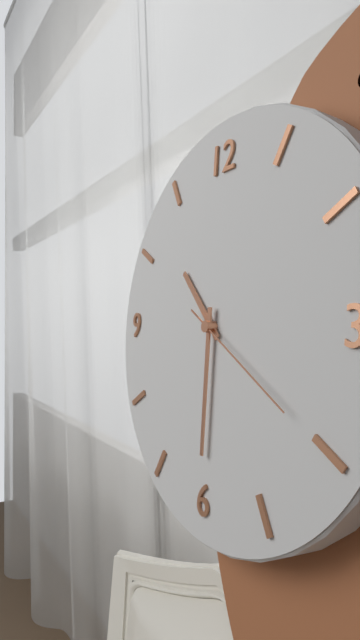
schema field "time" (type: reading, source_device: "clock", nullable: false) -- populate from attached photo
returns 10:30:20
